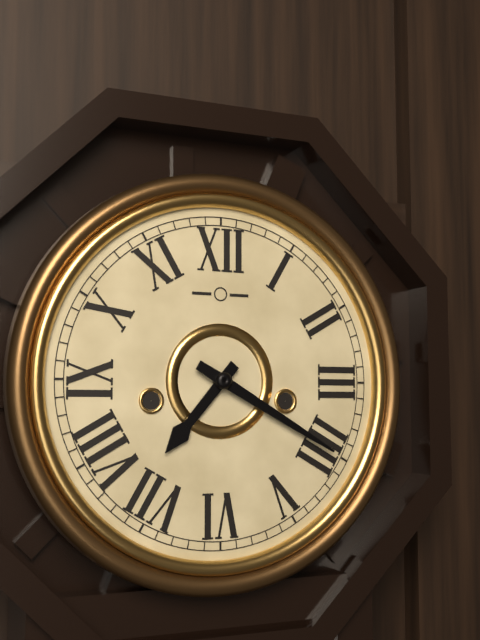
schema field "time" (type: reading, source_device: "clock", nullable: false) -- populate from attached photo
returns 7:20
